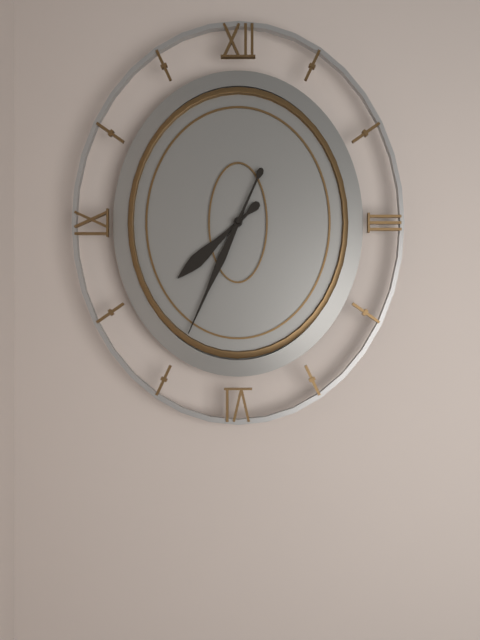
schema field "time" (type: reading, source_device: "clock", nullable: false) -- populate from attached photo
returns 7:34
